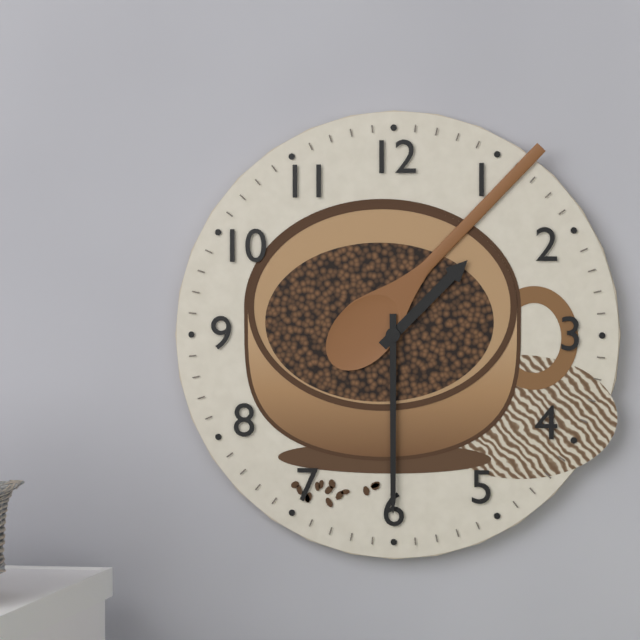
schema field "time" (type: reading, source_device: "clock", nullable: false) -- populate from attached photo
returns 1:30
